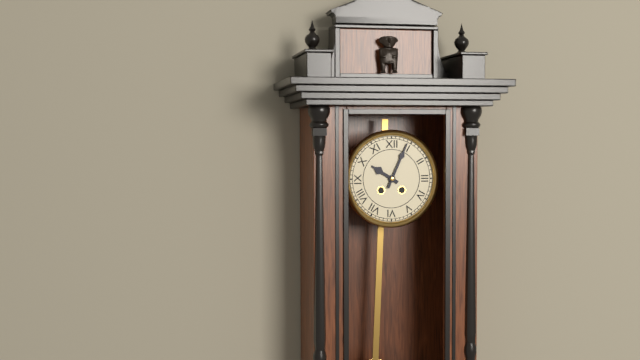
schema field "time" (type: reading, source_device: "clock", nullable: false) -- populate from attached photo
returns 10:04
